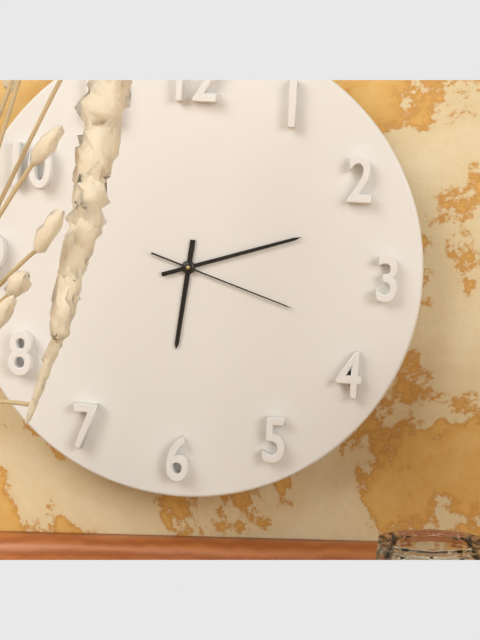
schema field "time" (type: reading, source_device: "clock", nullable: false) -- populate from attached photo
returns 6:12:18
